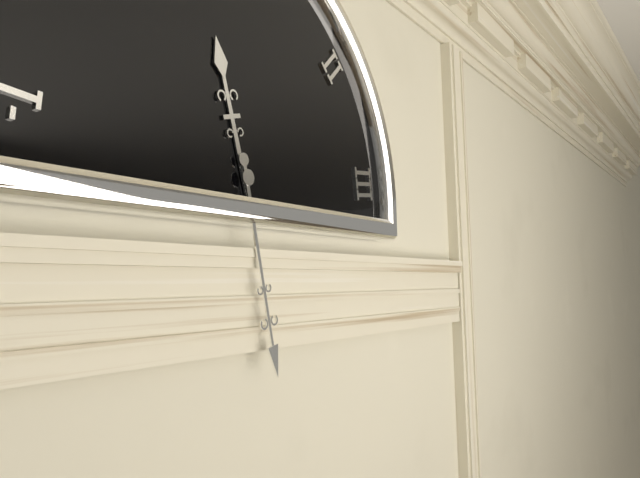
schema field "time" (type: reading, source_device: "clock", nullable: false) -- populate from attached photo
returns 11:28
